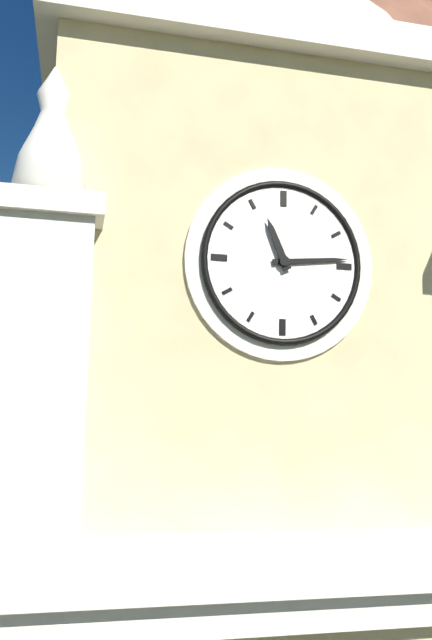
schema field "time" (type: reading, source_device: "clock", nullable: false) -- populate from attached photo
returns 11:14
